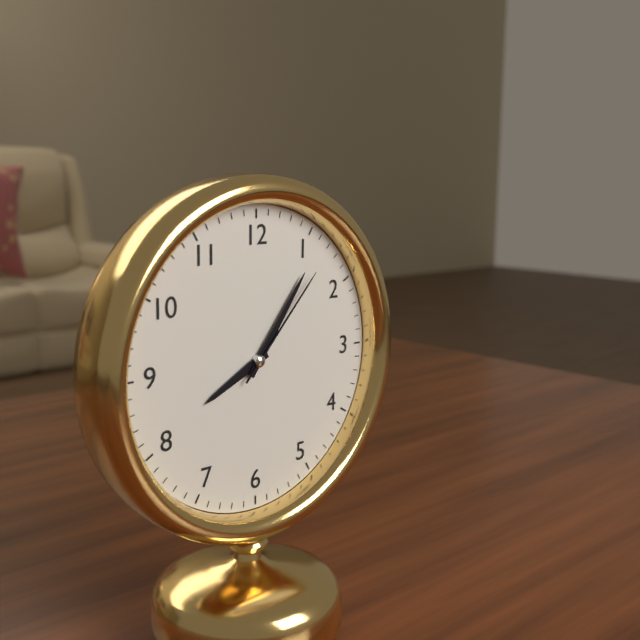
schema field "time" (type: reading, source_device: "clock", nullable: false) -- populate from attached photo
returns 8:06:07
